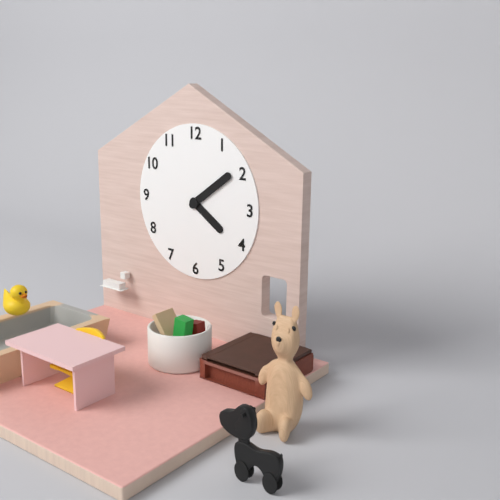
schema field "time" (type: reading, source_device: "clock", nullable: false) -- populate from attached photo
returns 4:09
